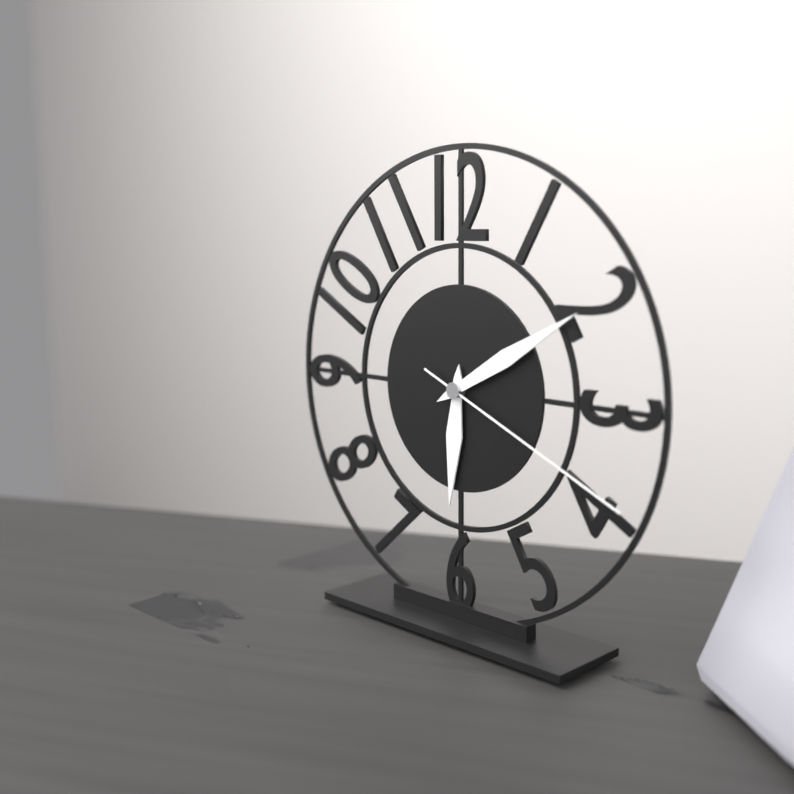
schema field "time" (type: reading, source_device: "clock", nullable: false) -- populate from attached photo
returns 6:10:19
